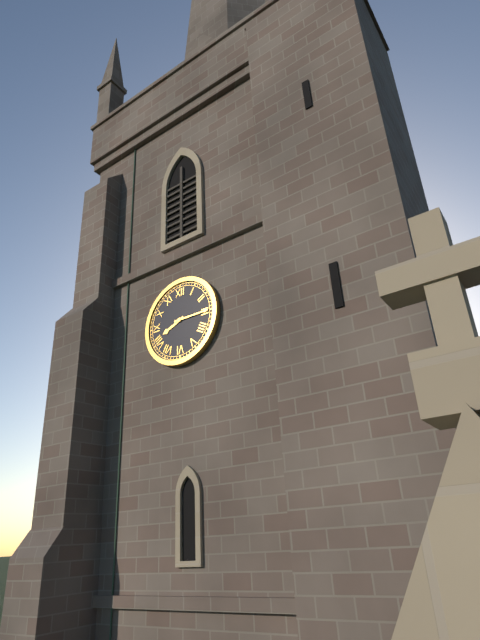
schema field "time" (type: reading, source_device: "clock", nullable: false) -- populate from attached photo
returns 8:15
